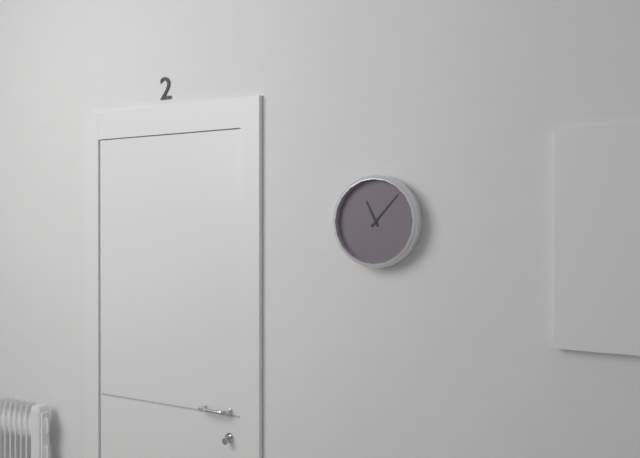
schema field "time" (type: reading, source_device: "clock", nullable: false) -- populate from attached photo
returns 11:07
